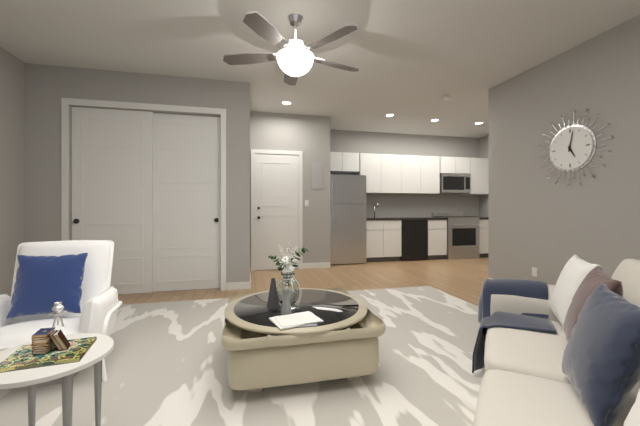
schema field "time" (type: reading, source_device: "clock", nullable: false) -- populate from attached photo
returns 5:02
